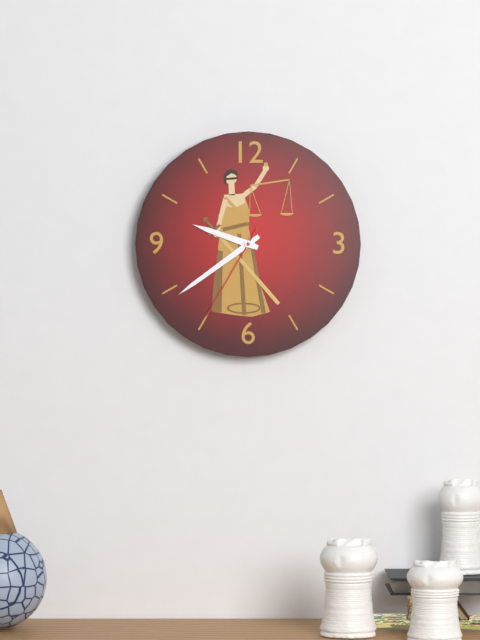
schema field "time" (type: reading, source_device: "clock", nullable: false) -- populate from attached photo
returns 9:39:35
